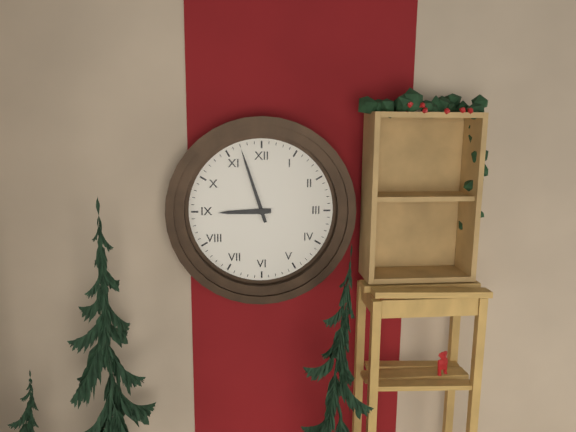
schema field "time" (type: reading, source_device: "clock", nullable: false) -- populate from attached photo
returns 8:57
